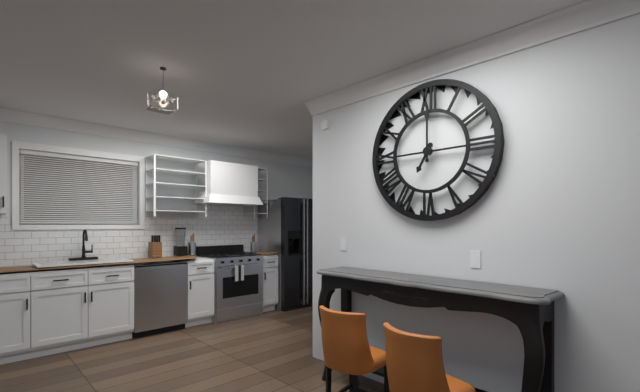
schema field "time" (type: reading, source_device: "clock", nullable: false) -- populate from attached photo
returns 7:00
